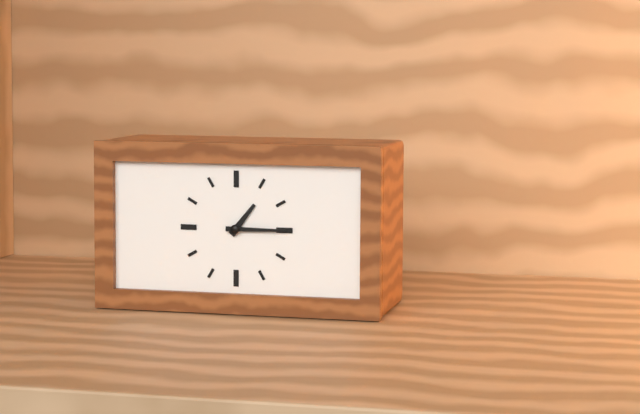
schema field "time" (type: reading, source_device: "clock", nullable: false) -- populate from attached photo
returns 1:15
